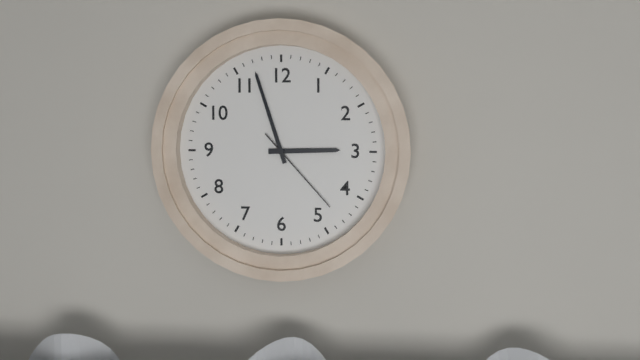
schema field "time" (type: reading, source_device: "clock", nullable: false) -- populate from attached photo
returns 2:57:23
